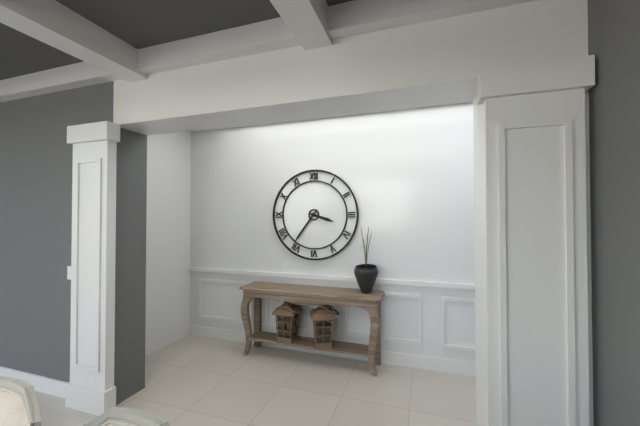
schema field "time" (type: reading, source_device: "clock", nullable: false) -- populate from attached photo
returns 3:36
